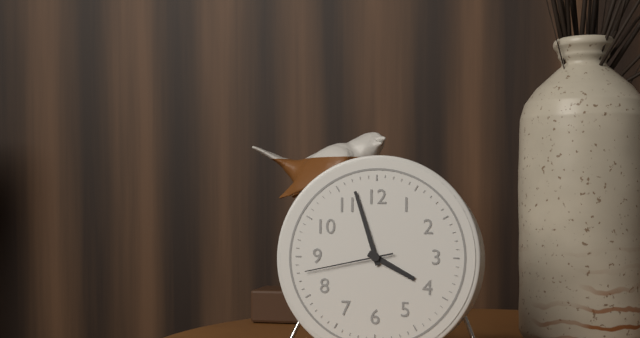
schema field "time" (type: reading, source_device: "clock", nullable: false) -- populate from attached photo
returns 3:57:43
